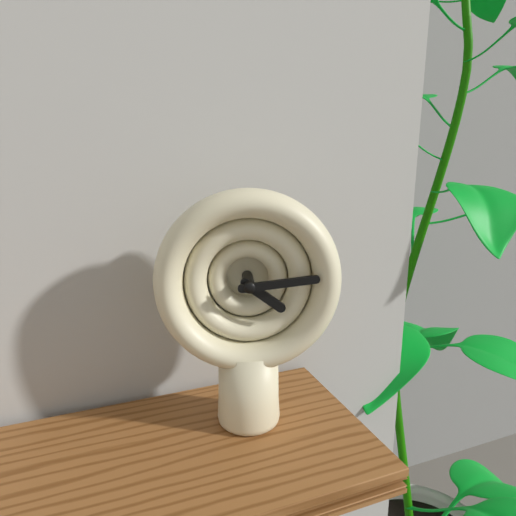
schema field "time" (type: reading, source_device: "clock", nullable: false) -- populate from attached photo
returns 4:14
